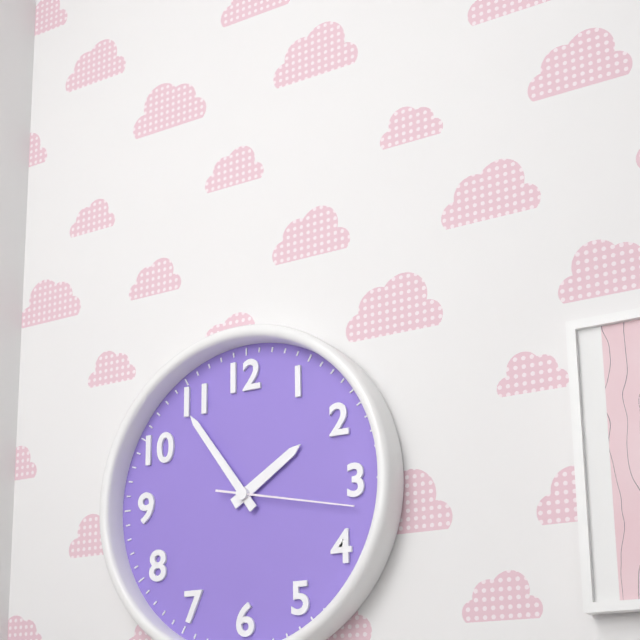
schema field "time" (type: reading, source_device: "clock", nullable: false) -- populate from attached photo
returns 1:54:17
